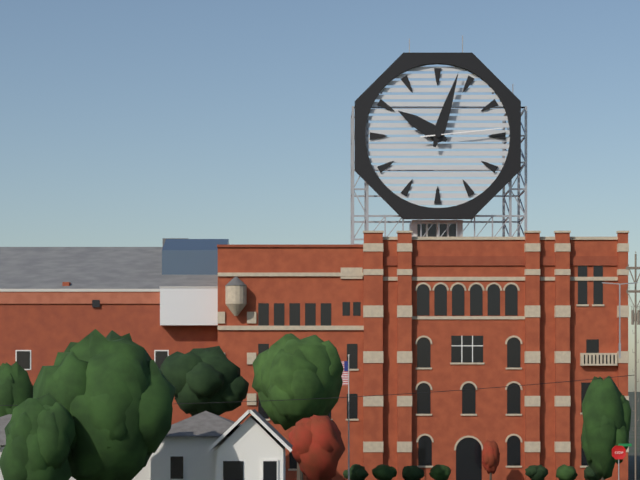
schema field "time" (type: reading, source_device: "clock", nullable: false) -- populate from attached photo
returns 10:03:14
